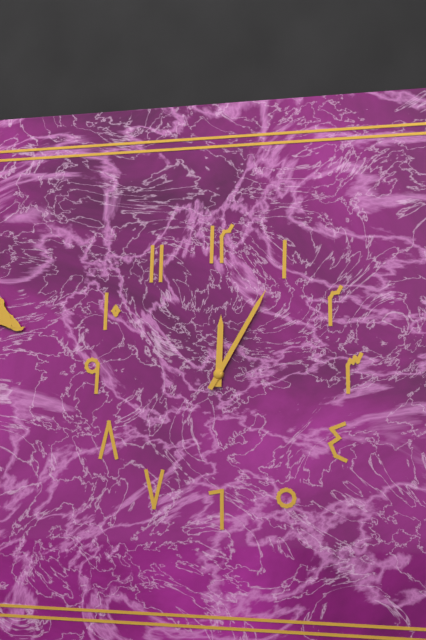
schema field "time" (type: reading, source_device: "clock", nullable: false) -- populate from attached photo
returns 12:05
